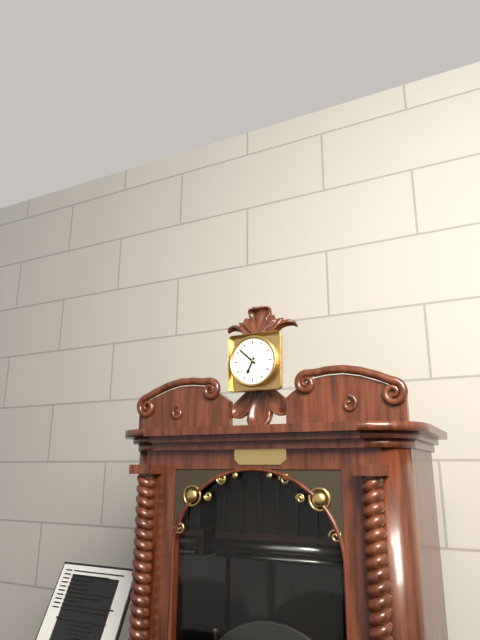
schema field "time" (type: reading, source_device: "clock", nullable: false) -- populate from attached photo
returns 6:52
